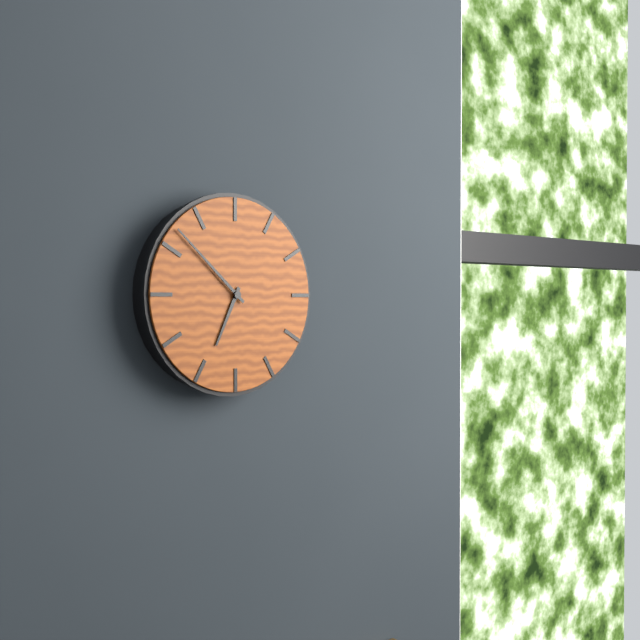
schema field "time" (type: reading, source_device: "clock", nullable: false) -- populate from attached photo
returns 6:52
